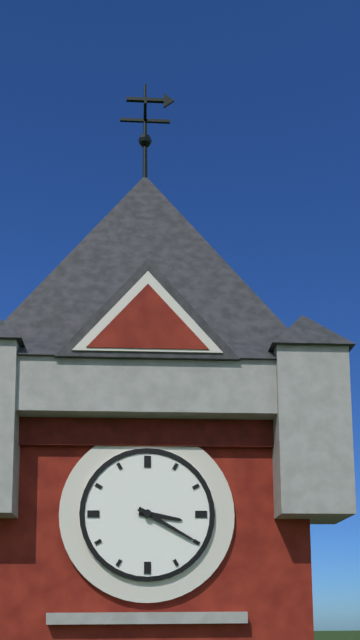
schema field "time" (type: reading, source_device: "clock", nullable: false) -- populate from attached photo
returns 3:20
